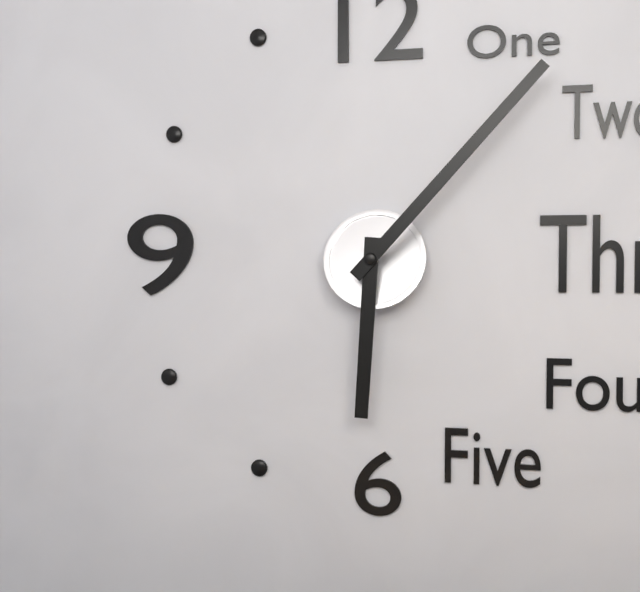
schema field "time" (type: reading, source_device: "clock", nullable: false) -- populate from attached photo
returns 6:07
